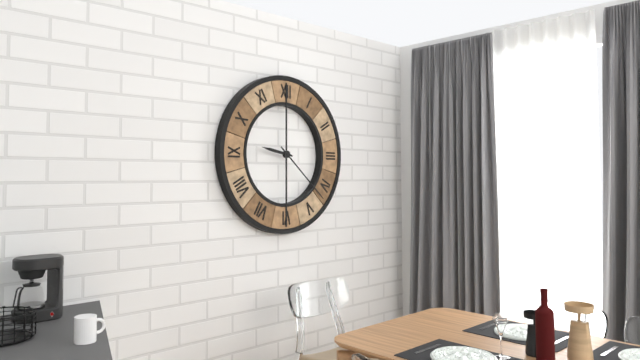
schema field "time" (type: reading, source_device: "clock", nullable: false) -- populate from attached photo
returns 9:22
